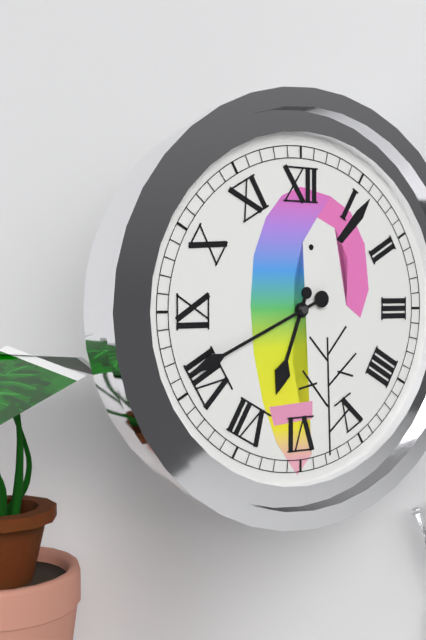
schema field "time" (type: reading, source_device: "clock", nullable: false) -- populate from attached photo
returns 6:41
